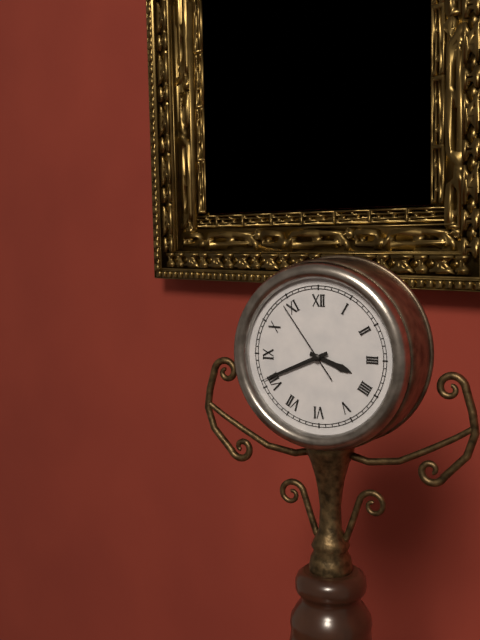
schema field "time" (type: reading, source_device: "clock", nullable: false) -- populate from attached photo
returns 3:41:54
